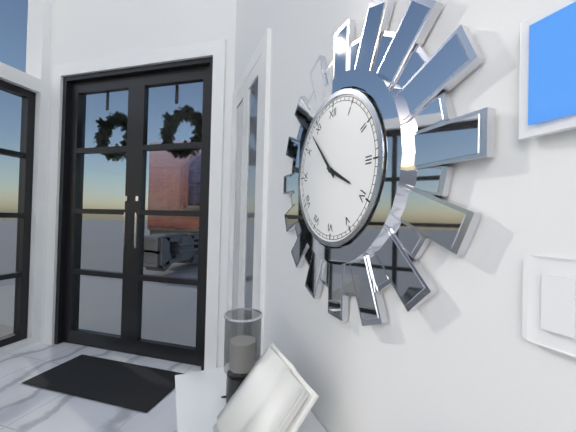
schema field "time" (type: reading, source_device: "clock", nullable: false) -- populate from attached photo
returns 3:53
